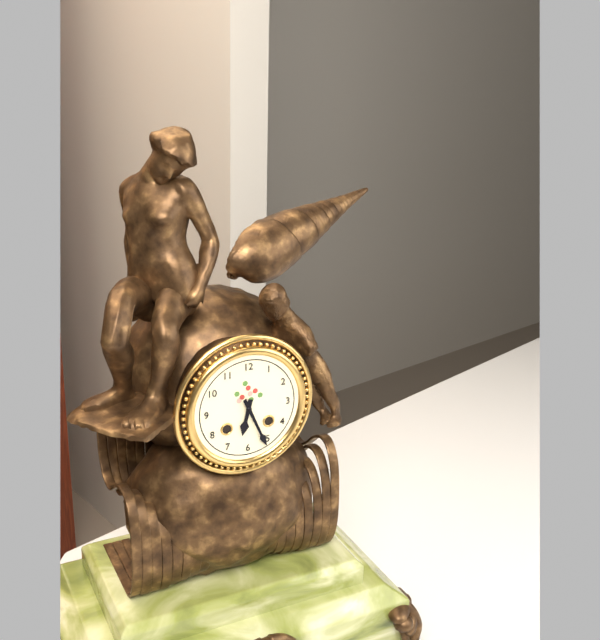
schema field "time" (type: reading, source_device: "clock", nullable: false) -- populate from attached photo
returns 6:26
